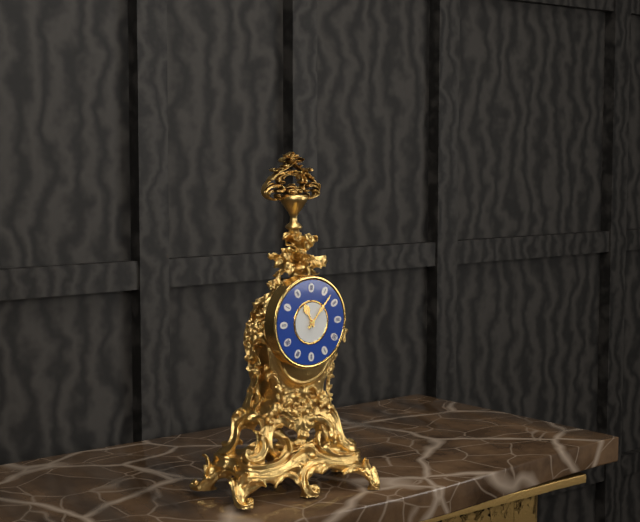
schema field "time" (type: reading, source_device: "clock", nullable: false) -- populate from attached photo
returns 11:07
